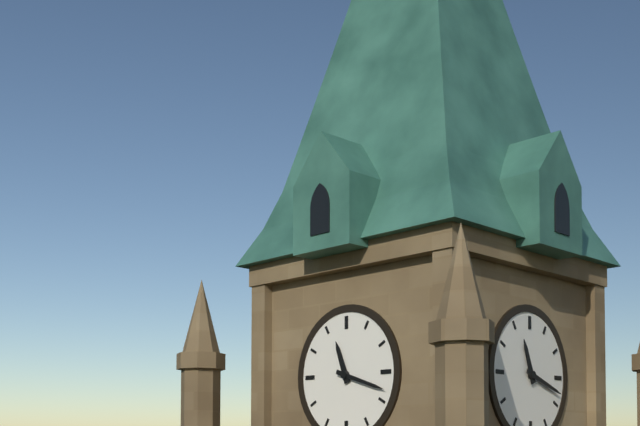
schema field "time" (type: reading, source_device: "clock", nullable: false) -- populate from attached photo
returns 11:18
